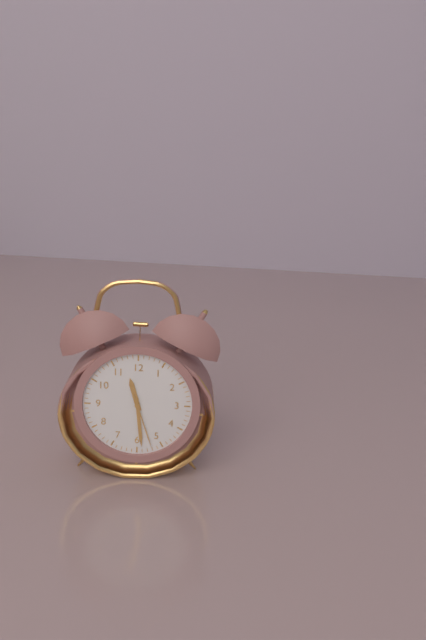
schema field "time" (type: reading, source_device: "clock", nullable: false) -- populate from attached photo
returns 11:29:27
